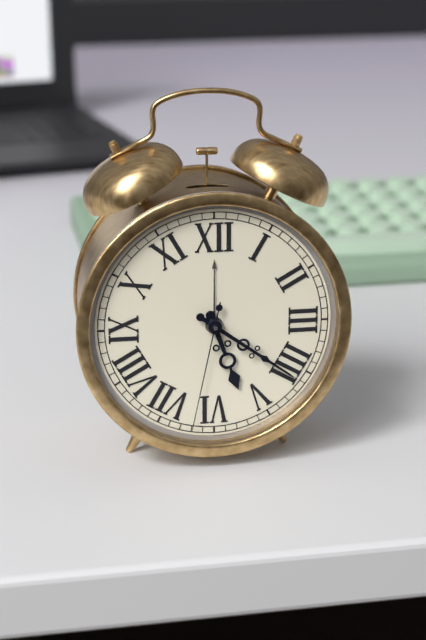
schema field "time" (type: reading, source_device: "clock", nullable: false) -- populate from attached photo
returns 5:21:32
